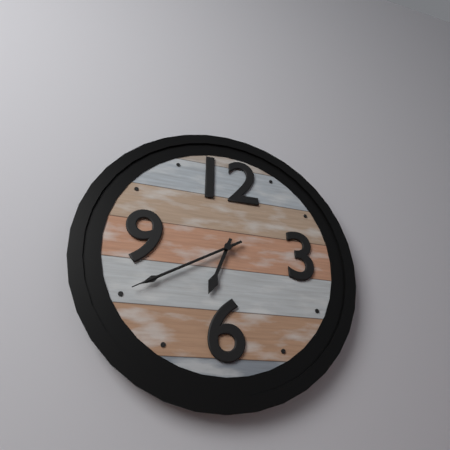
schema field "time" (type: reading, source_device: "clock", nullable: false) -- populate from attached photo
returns 6:40:40
